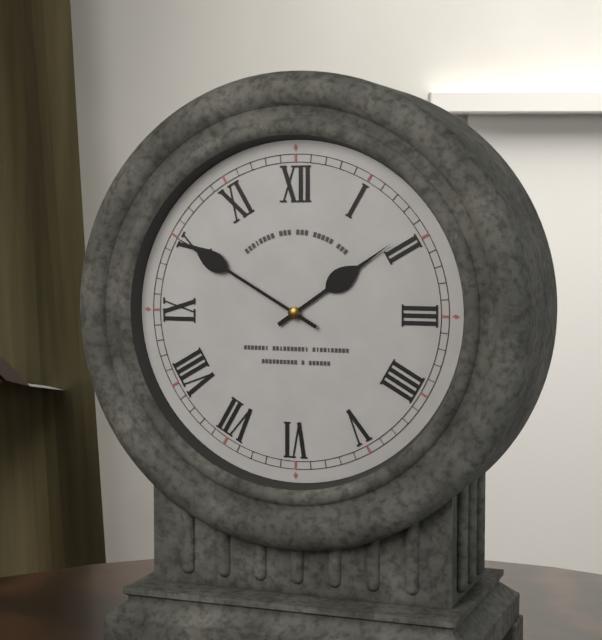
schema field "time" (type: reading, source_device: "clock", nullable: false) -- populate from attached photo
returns 1:50
